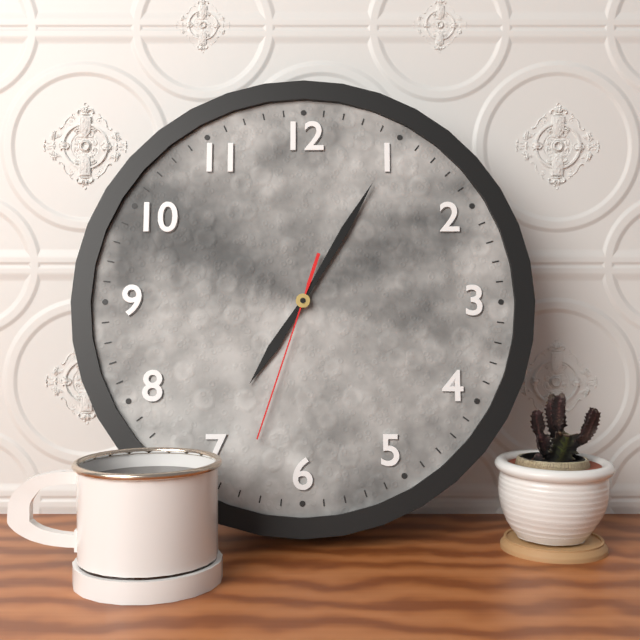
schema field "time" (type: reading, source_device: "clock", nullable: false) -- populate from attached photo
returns 7:05:33
